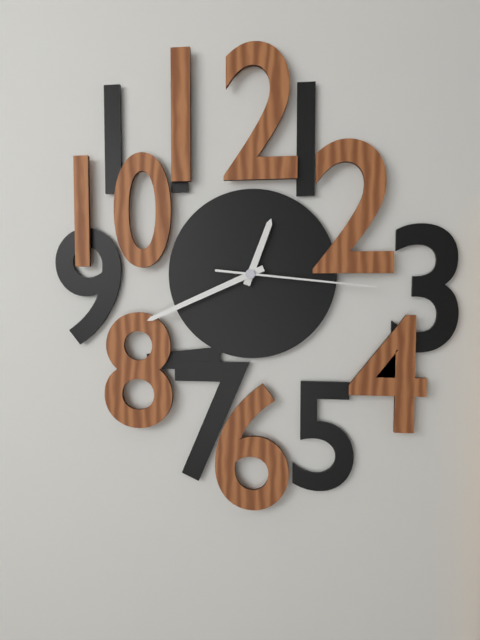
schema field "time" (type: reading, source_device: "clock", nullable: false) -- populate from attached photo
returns 12:41:16
